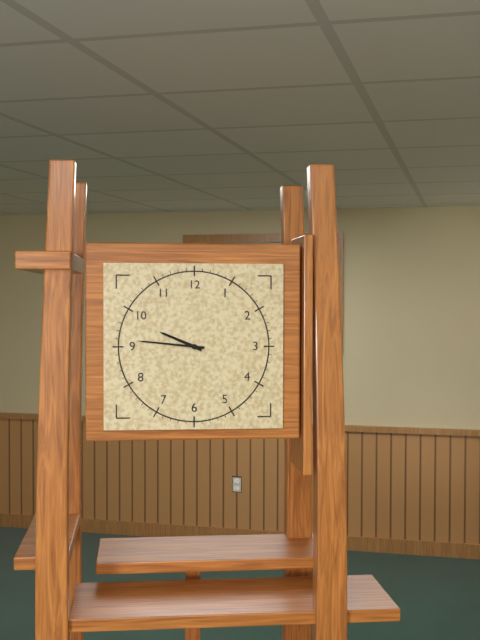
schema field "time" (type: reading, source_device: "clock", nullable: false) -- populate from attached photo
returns 9:46
